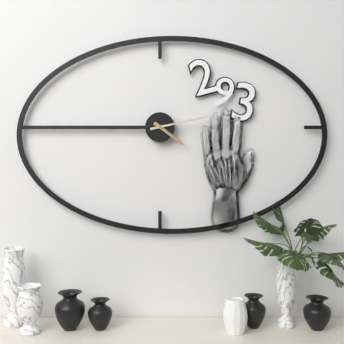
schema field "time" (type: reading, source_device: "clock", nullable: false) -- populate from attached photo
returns 4:13
